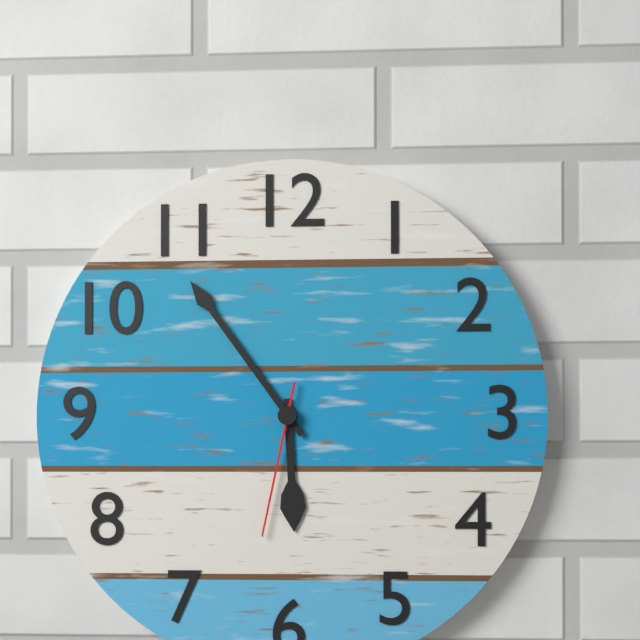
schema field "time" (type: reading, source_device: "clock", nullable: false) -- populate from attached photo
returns 5:54:32
